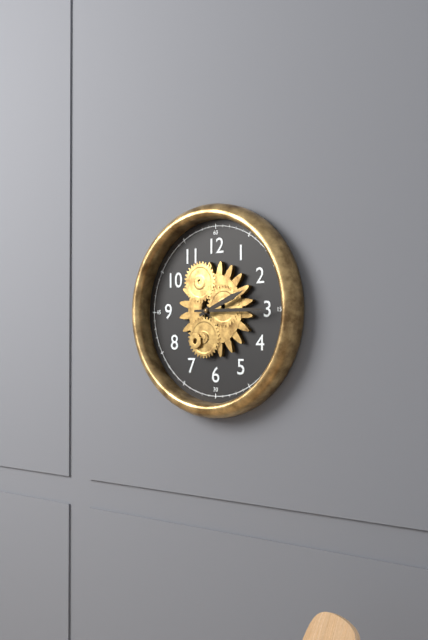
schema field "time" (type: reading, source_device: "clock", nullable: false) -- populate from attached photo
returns 2:15
